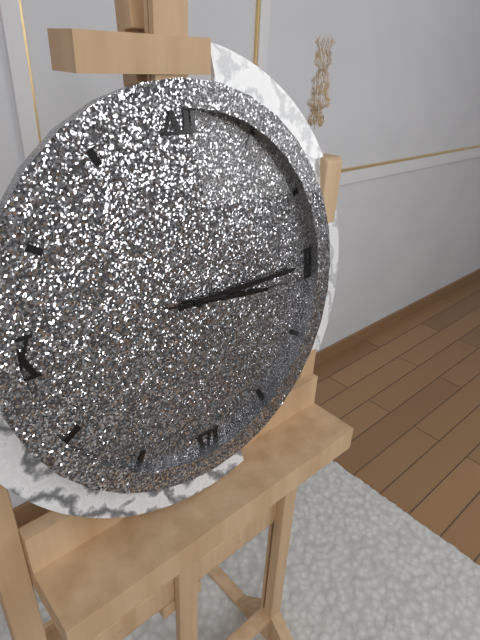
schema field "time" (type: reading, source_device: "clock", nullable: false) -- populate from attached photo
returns 3:15:16
